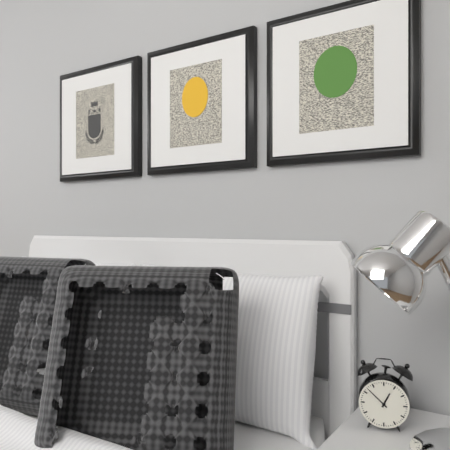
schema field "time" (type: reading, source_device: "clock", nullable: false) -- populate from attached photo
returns 12:52
